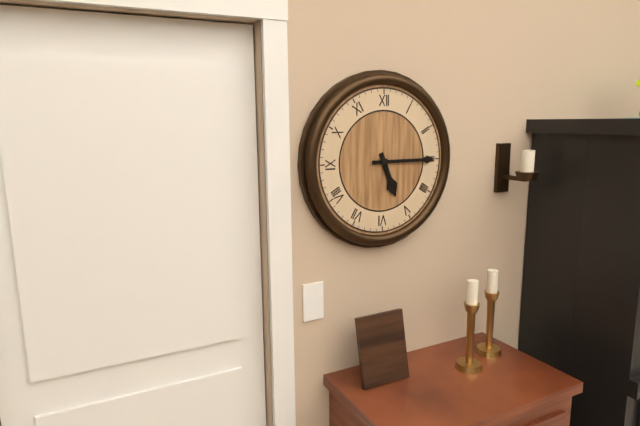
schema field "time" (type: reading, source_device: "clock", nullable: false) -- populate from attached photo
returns 5:15
